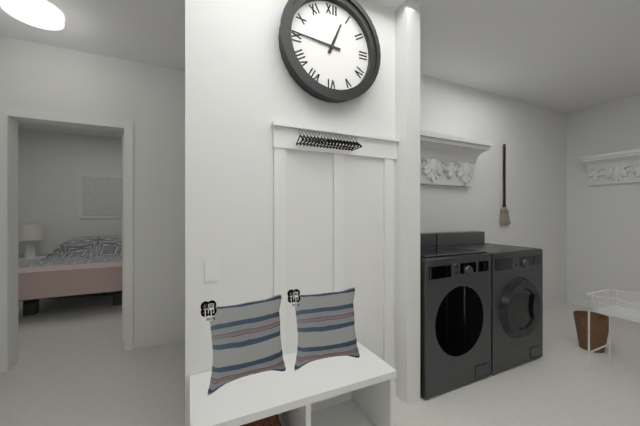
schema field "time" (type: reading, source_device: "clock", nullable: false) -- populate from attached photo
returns 12:46
